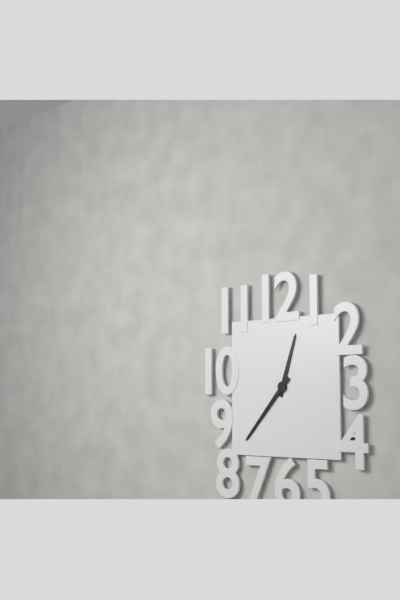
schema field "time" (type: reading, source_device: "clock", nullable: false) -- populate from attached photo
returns 12:37
